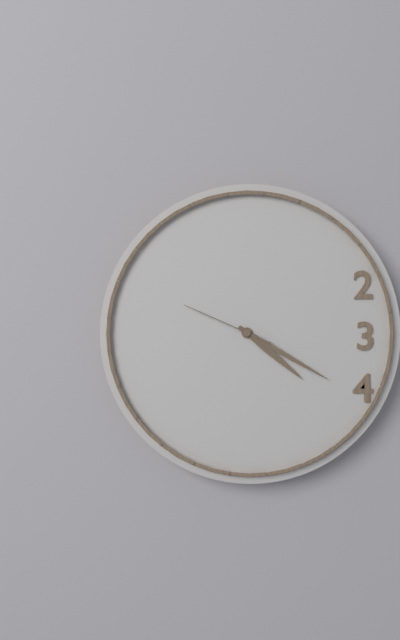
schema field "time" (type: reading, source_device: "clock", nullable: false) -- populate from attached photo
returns 4:20:49
